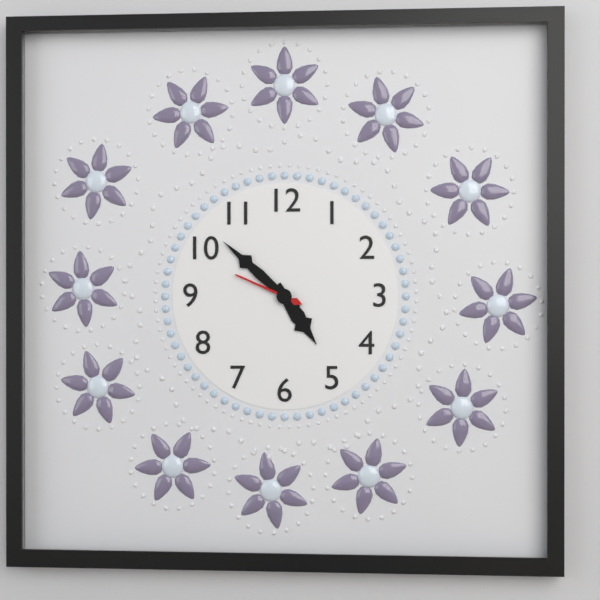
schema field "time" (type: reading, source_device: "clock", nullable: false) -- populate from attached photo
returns 4:52:49
